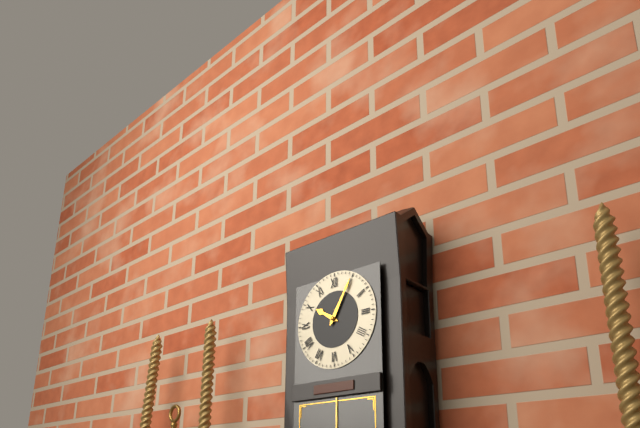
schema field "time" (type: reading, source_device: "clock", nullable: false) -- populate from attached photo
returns 10:05
